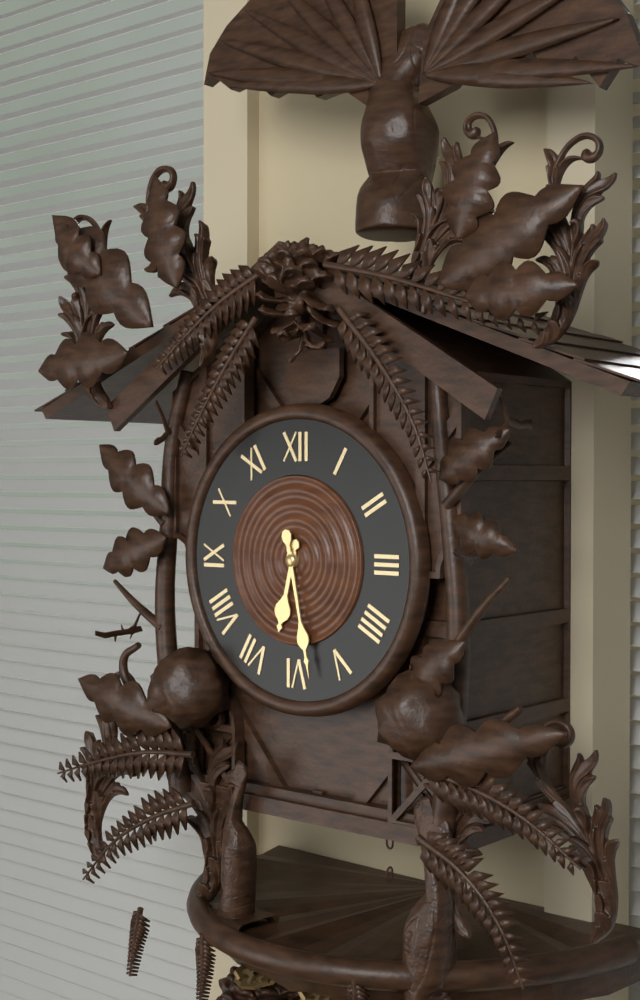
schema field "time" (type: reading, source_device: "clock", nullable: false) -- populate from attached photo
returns 6:28
